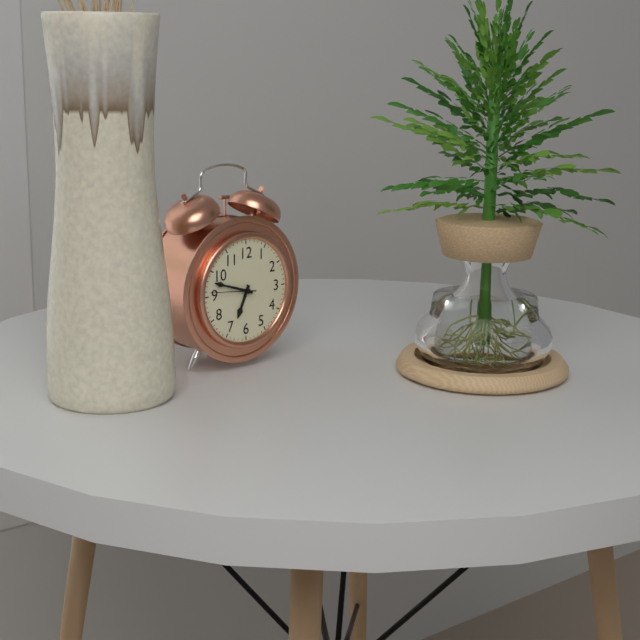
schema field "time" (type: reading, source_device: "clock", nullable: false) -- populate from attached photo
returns 6:48
